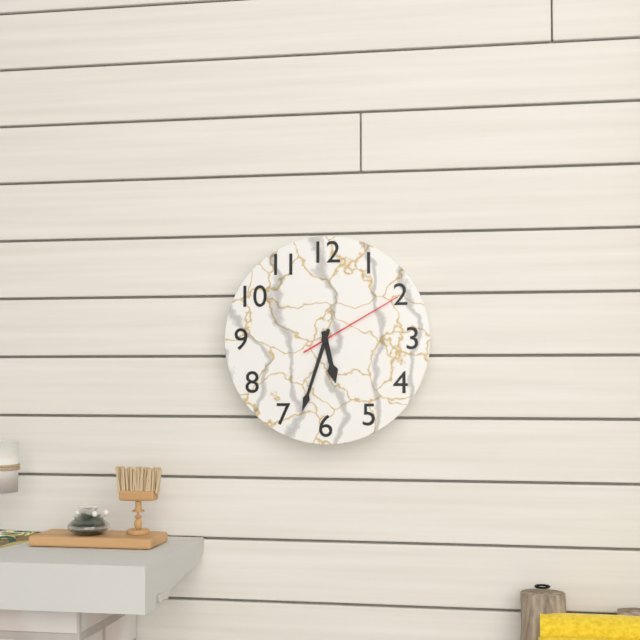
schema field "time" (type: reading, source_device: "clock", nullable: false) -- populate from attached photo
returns 5:33:10
